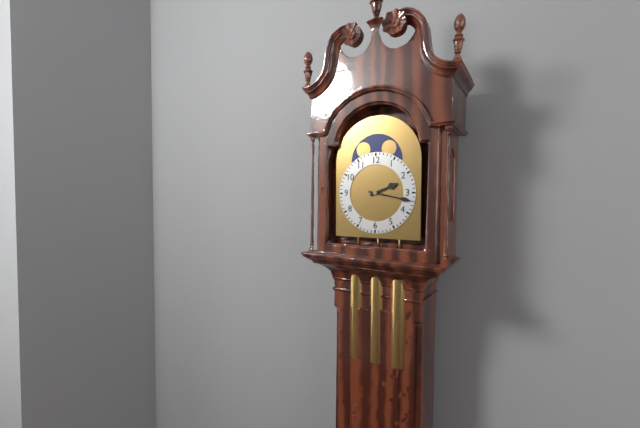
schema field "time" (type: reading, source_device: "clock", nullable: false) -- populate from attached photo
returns 2:17
